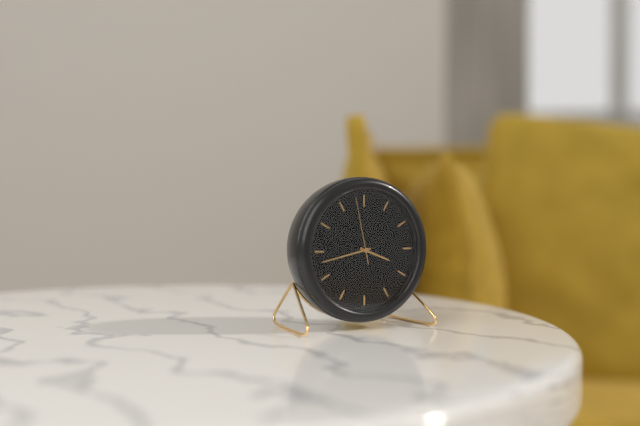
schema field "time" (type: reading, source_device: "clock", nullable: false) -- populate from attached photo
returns 3:43:58
